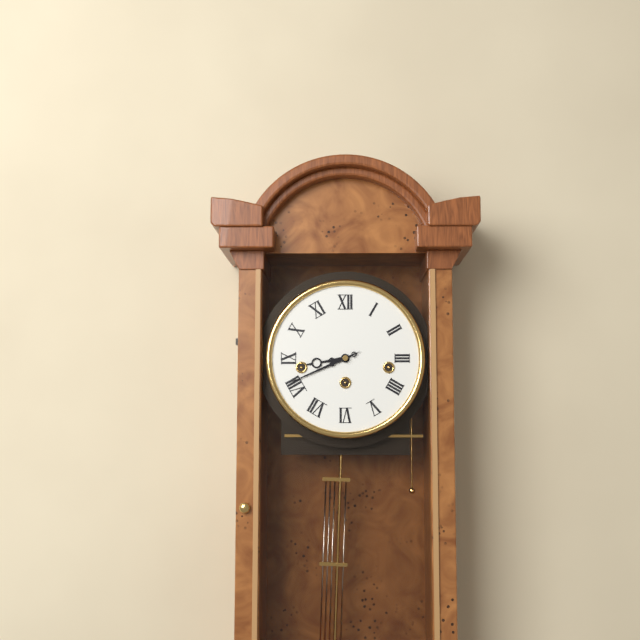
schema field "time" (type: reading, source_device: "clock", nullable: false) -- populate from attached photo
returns 8:41
